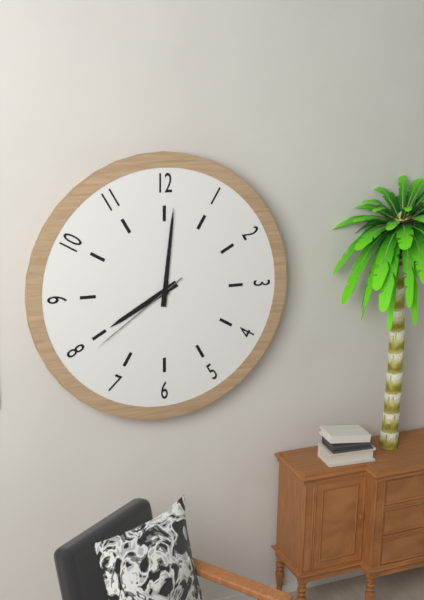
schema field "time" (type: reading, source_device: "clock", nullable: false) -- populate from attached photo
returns 8:01:39
